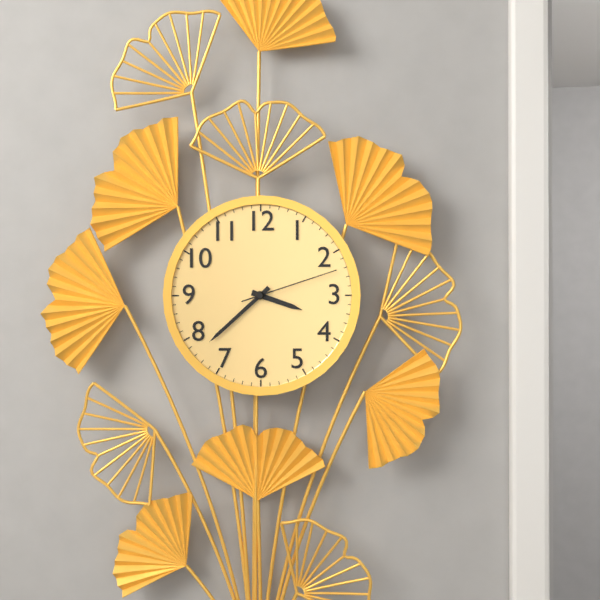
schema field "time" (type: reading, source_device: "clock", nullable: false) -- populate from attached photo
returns 3:38:12
